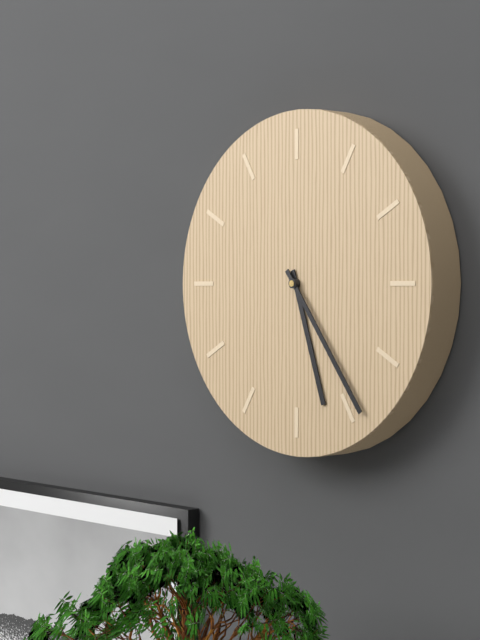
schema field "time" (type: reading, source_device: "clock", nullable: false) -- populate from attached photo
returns 5:24
